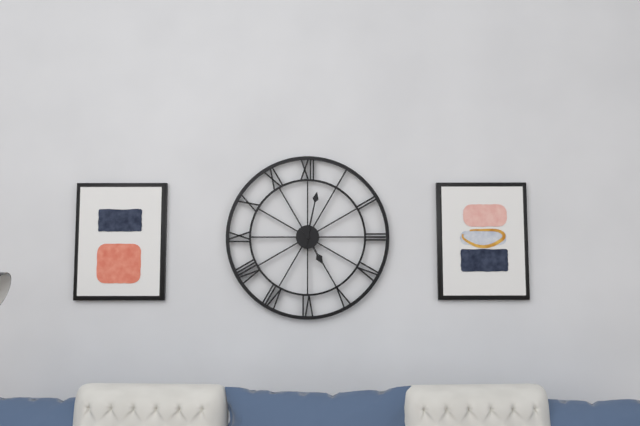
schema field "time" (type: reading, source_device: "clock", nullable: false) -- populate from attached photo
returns 5:02
